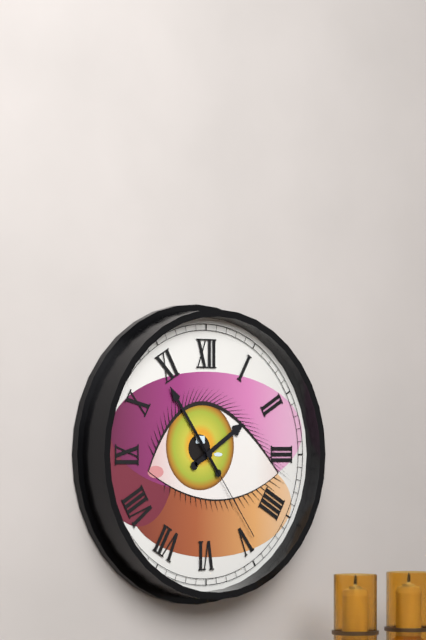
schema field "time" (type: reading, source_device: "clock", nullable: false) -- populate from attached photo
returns 1:54:24
